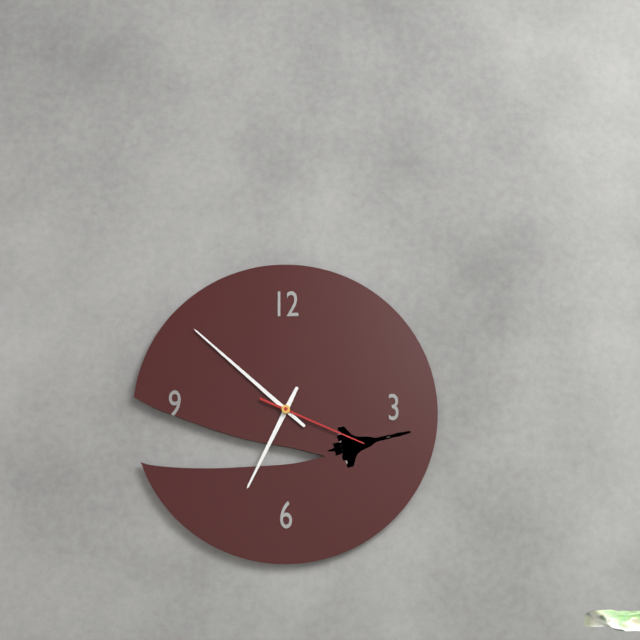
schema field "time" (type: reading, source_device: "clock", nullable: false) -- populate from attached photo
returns 6:52:19
